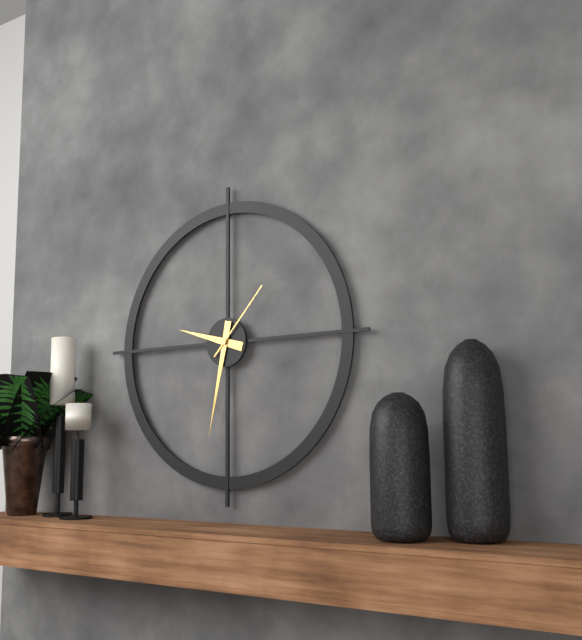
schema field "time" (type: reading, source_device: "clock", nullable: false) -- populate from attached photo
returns 9:32:07
